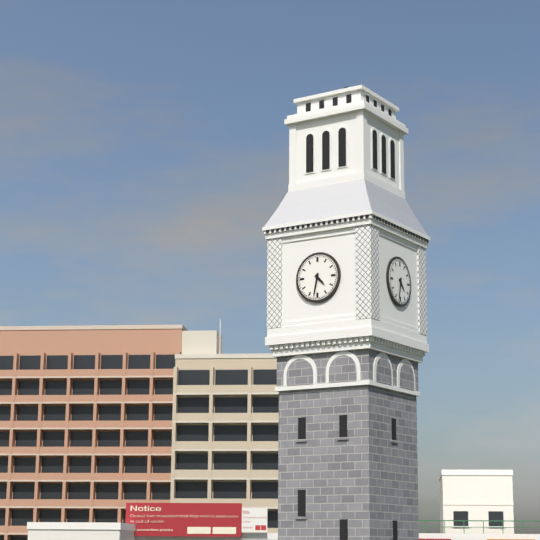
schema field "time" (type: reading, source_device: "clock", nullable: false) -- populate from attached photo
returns 4:32
